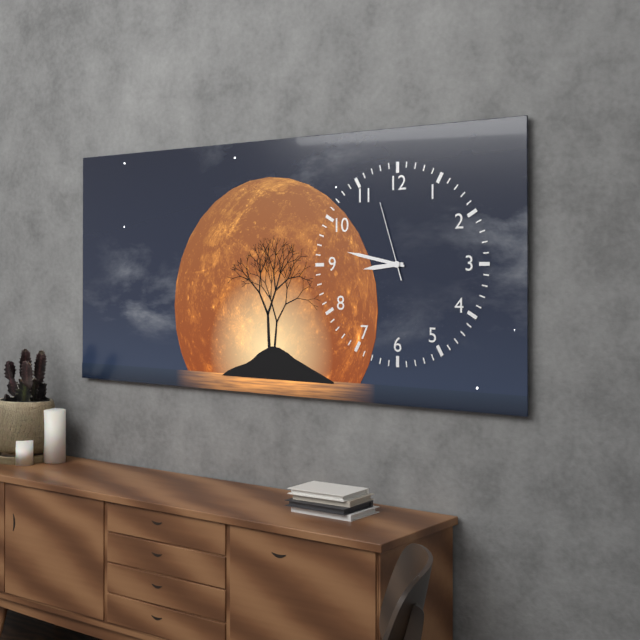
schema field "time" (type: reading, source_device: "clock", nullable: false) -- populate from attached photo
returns 8:47:57
